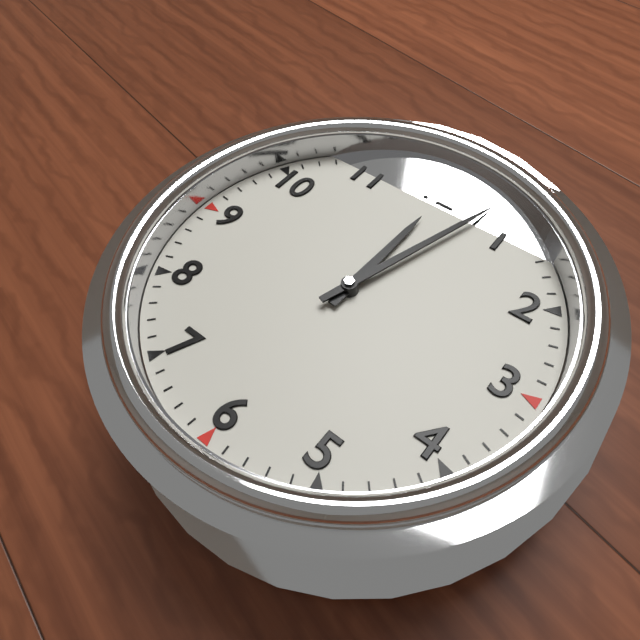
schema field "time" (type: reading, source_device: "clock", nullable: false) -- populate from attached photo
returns 12:03
